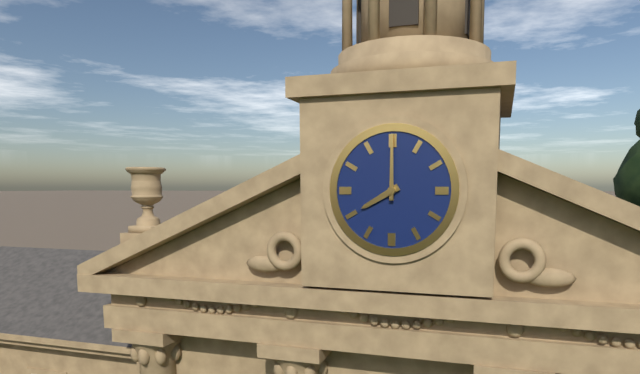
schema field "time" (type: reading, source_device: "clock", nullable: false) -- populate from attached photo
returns 8:00
